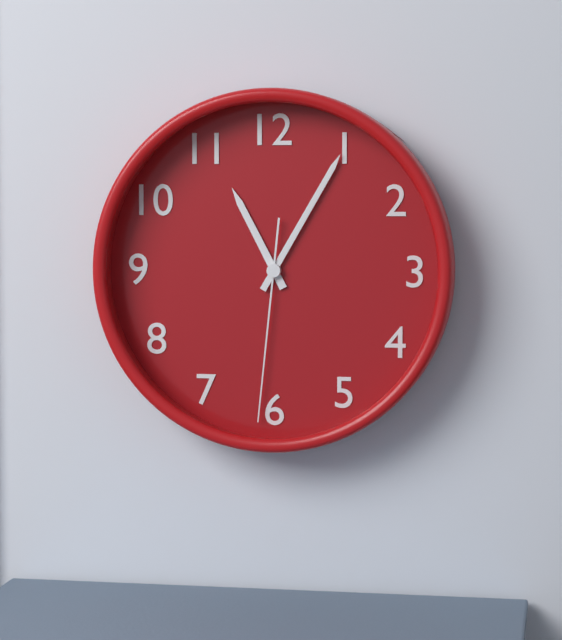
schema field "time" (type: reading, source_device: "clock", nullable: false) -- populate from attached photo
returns 11:05:31
